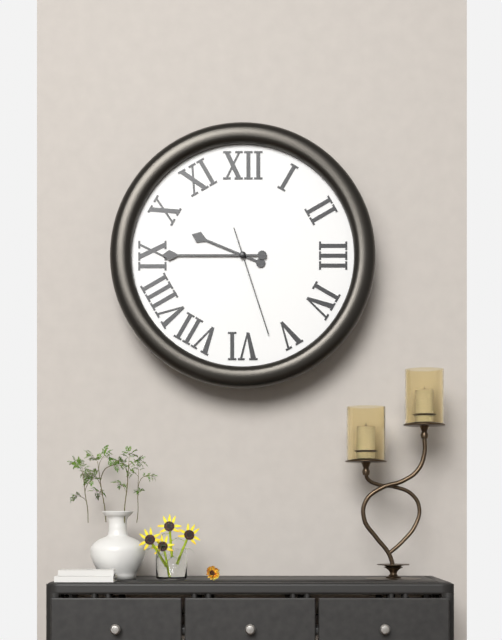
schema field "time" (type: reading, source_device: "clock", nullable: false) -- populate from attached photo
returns 9:45:27
